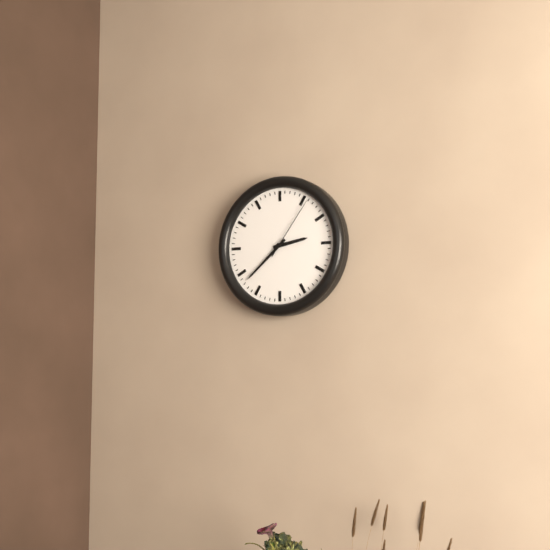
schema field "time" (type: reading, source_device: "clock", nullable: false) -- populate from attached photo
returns 2:38:06
